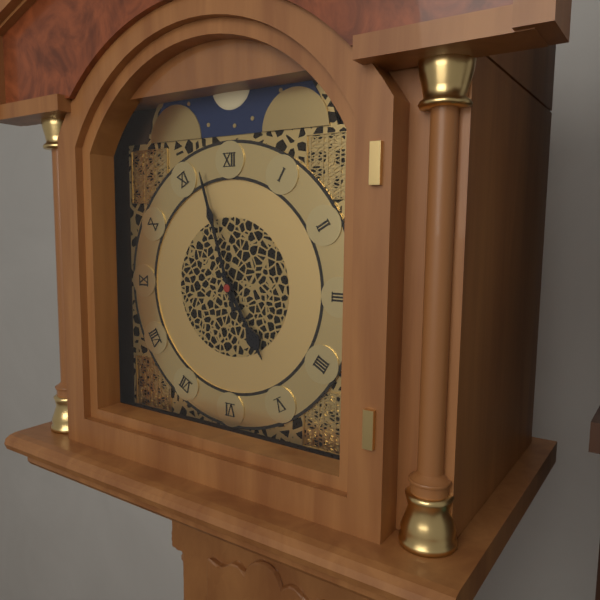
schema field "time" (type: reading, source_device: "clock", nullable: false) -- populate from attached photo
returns 4:57
